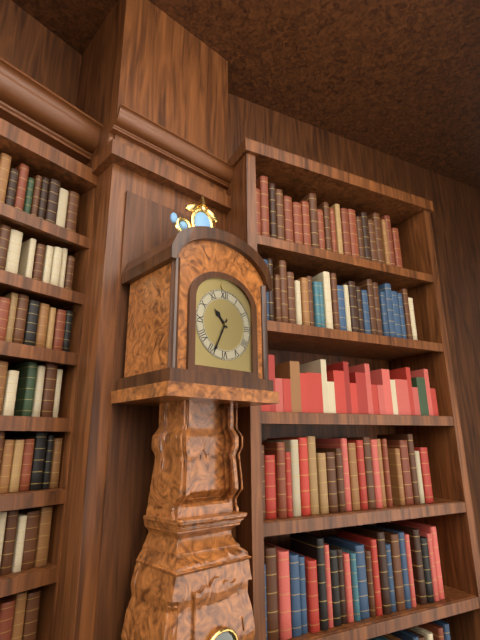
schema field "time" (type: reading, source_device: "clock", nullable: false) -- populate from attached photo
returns 10:34
